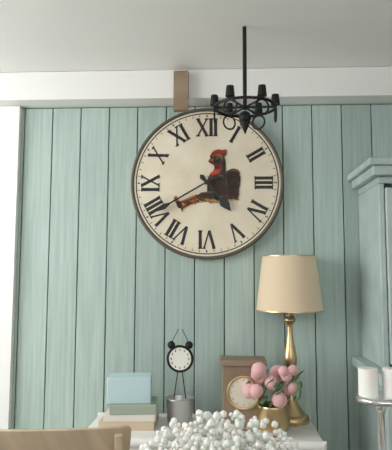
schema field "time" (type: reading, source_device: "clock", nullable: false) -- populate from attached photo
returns 4:40
